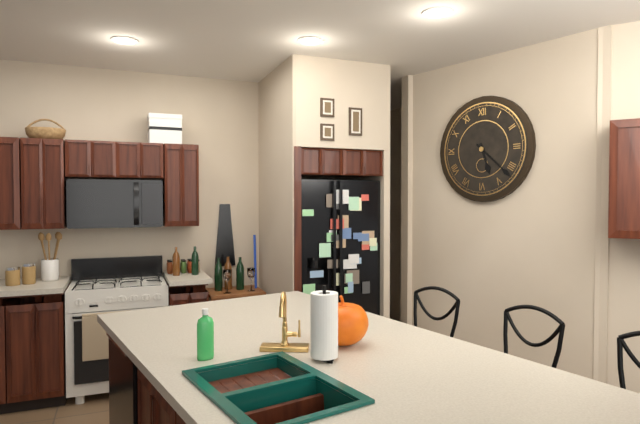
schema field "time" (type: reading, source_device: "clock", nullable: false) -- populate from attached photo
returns 5:22
